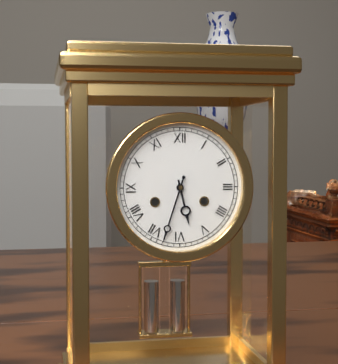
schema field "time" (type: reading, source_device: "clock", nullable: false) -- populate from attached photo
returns 5:33
